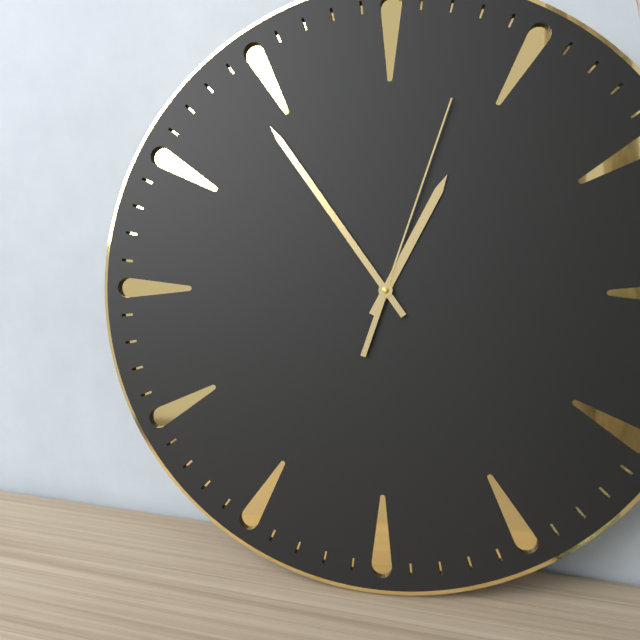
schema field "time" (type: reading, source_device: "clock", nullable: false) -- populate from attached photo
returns 12:54:03
